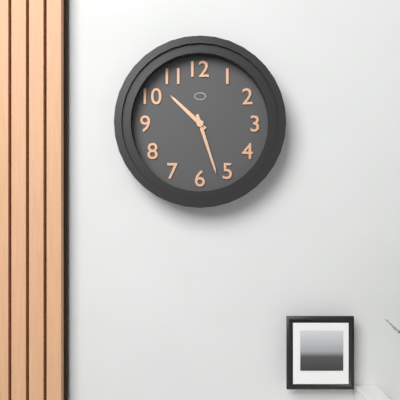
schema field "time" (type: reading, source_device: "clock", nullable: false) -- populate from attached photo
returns 10:27
